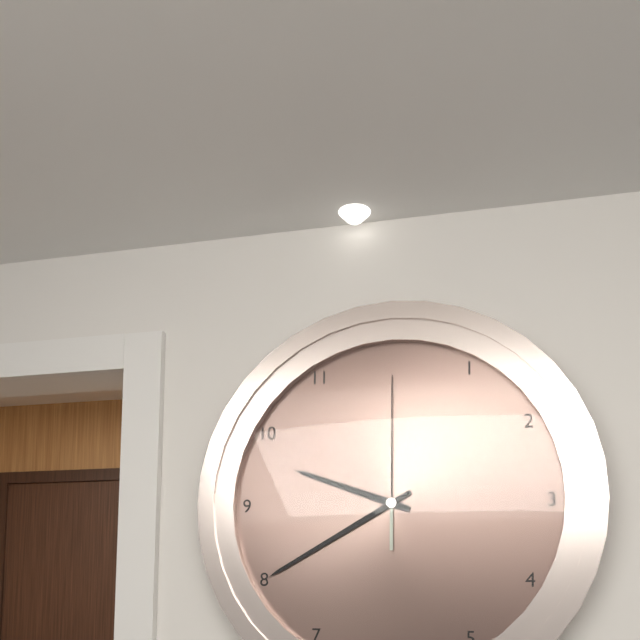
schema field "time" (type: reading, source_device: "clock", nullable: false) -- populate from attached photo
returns 9:40:00
